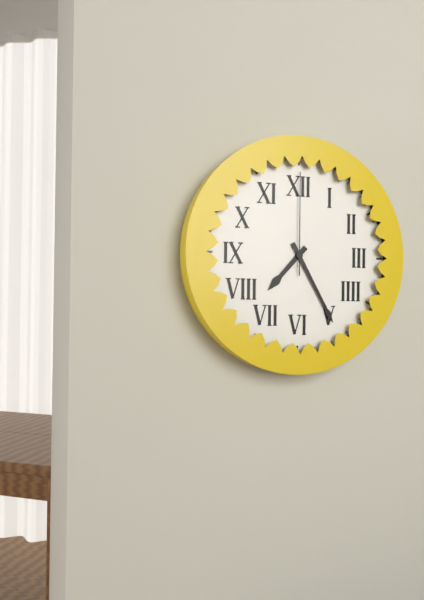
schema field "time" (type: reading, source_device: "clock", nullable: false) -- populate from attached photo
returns 7:25:00
